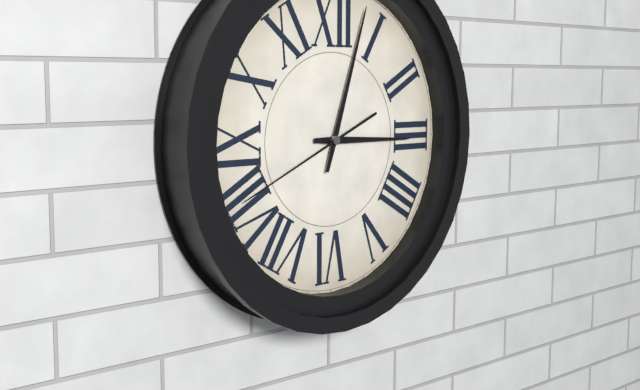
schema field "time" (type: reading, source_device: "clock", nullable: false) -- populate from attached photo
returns 3:03:41
